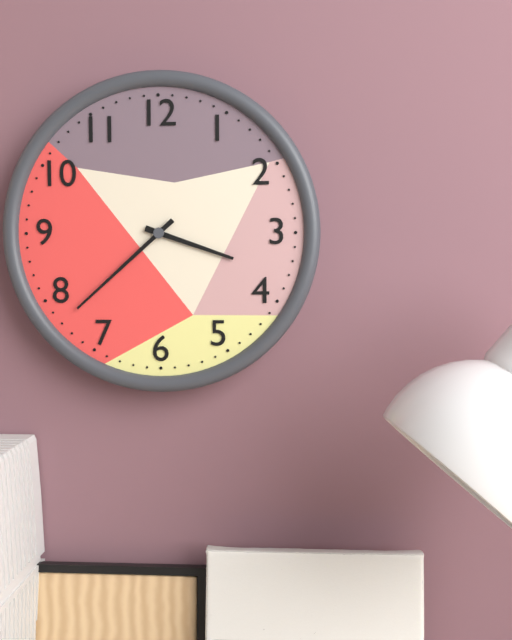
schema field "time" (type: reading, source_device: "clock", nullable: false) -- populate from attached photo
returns 3:38
